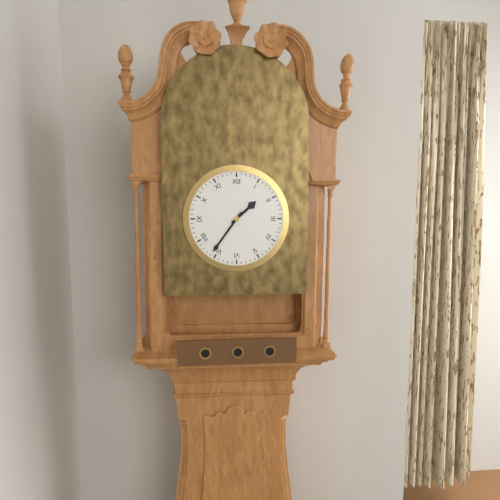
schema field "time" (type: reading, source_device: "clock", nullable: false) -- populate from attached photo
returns 1:36
